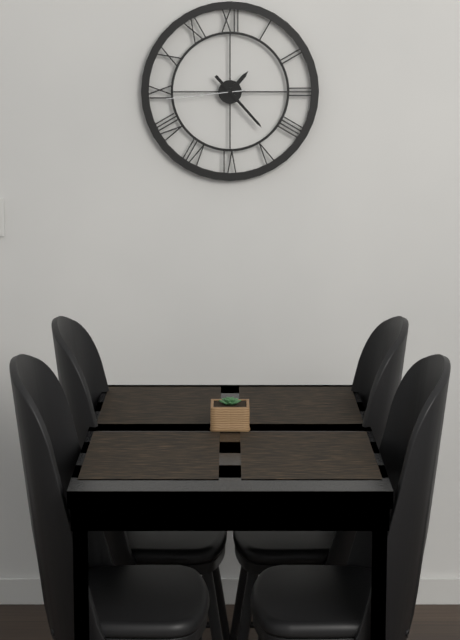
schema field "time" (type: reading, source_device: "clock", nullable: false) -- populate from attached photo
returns 1:23:44
